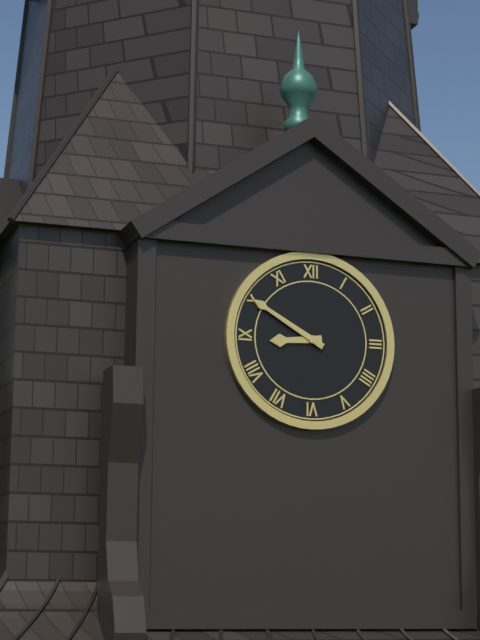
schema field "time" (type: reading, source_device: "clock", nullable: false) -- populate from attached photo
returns 8:50
